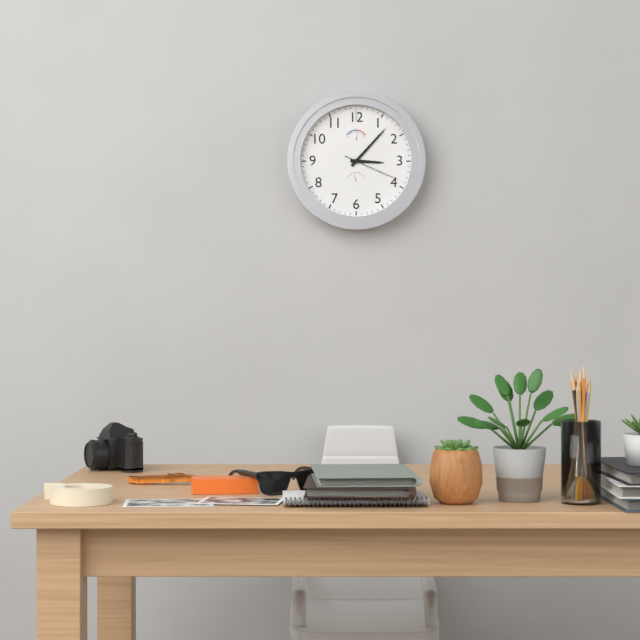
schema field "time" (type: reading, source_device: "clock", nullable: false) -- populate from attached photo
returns 3:07:19
